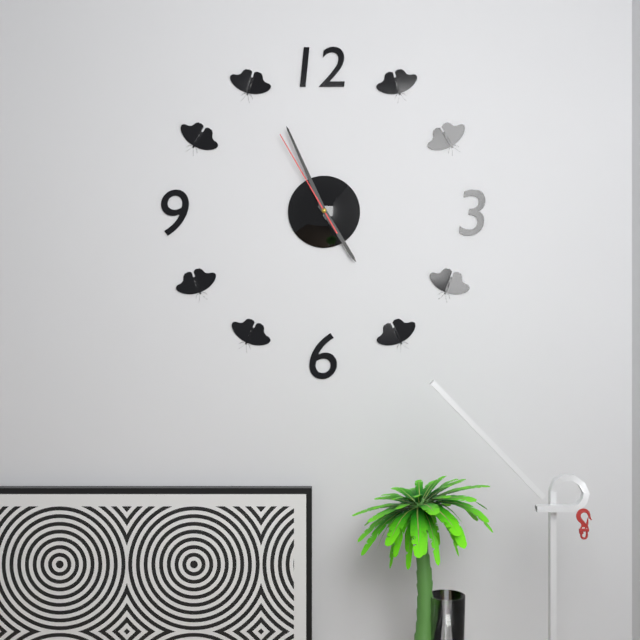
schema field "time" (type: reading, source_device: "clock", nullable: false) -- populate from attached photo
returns 4:56:55
